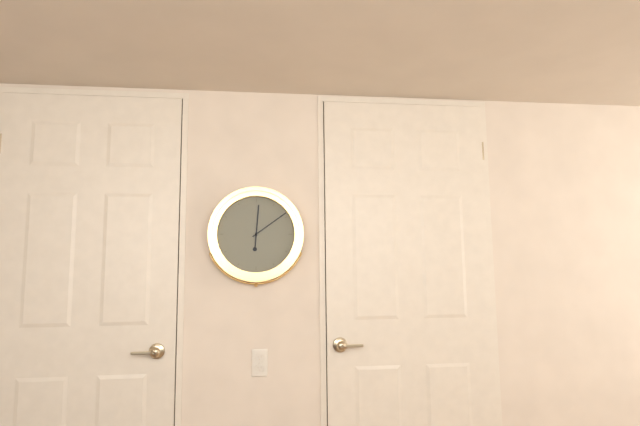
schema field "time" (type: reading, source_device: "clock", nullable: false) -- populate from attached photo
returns 12:09
